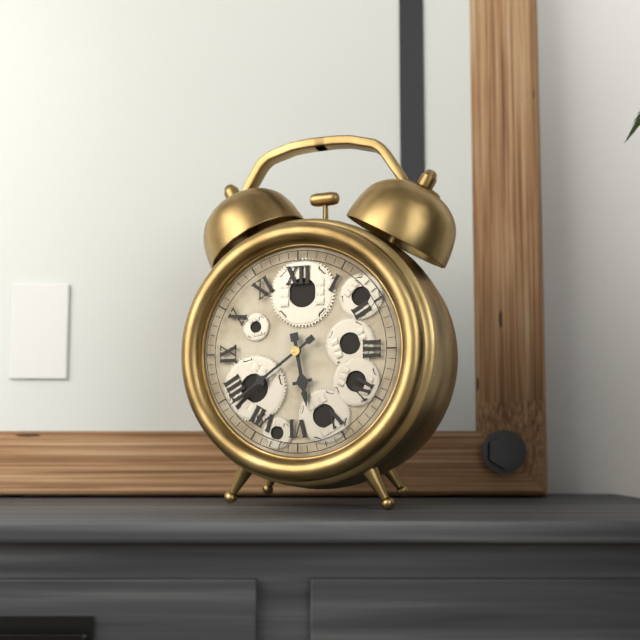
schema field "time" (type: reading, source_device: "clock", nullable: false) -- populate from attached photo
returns 5:39
